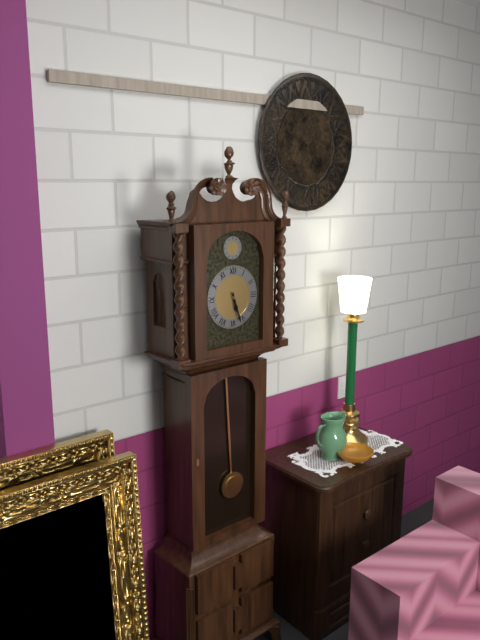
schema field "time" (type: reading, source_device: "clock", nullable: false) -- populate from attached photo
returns 5:27
